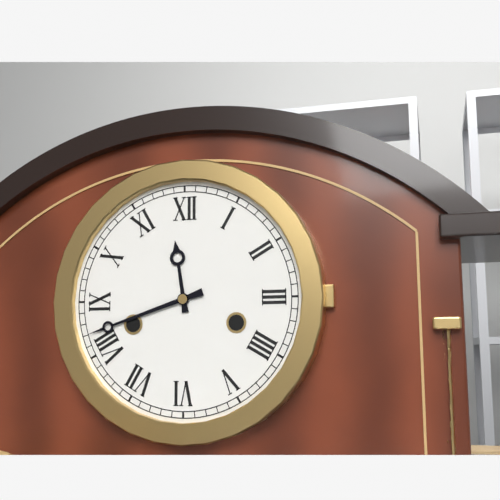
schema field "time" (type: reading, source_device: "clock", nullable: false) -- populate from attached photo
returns 11:42
